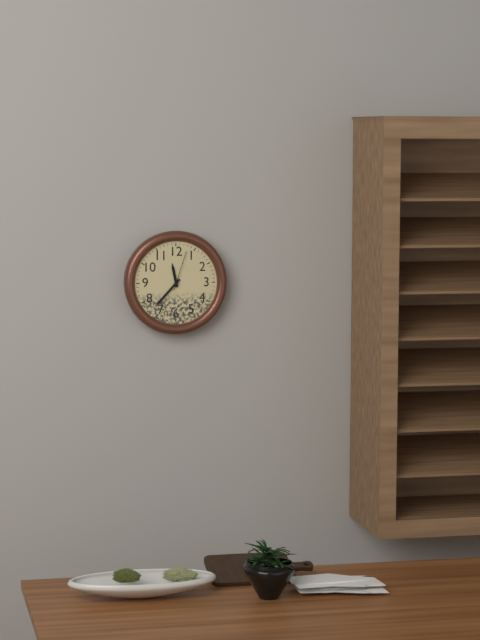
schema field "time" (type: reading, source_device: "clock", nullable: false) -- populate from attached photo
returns 11:37
